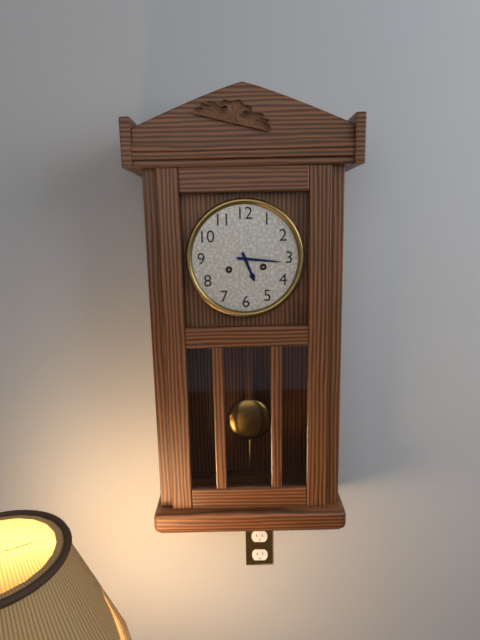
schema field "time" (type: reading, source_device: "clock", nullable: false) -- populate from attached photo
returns 5:16
